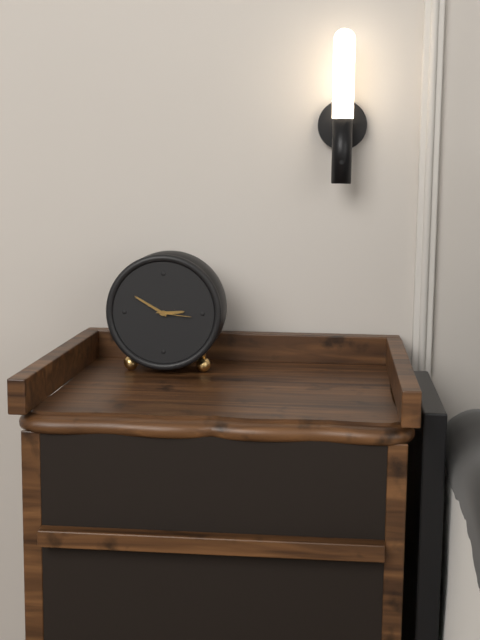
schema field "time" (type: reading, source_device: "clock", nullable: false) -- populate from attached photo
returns 2:50
